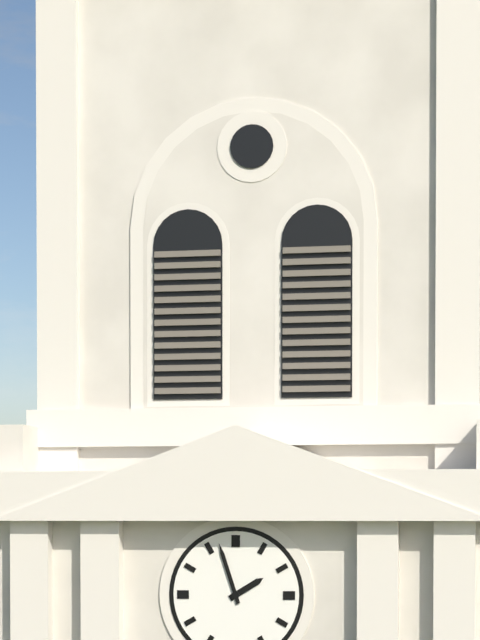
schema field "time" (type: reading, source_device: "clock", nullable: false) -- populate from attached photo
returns 1:57
